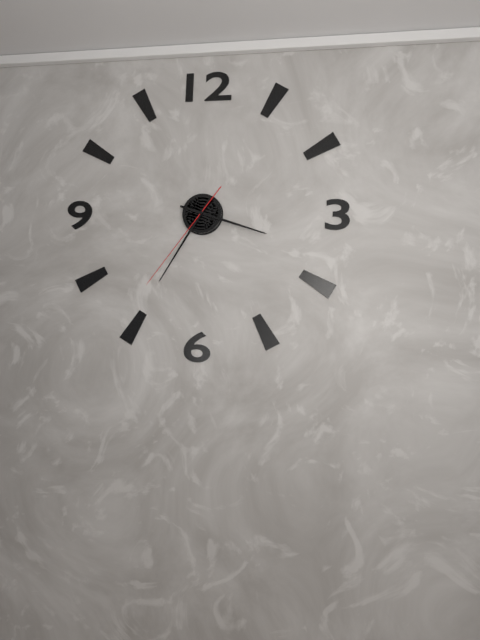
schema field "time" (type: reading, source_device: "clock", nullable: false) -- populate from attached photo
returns 3:35:36
